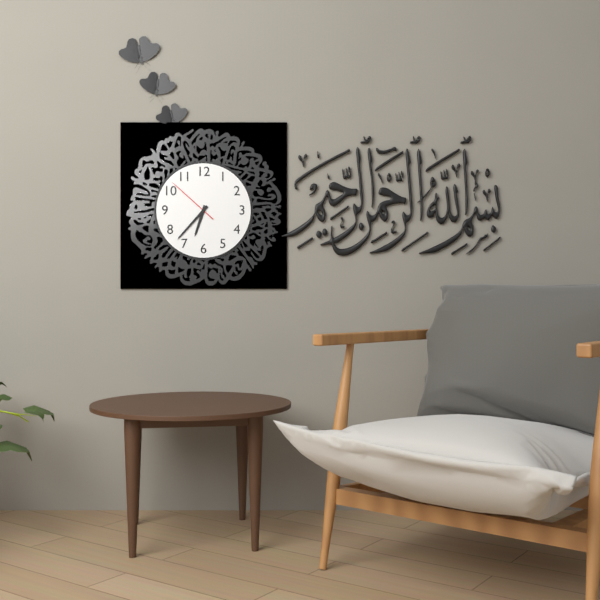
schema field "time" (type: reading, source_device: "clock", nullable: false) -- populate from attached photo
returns 6:37:52
